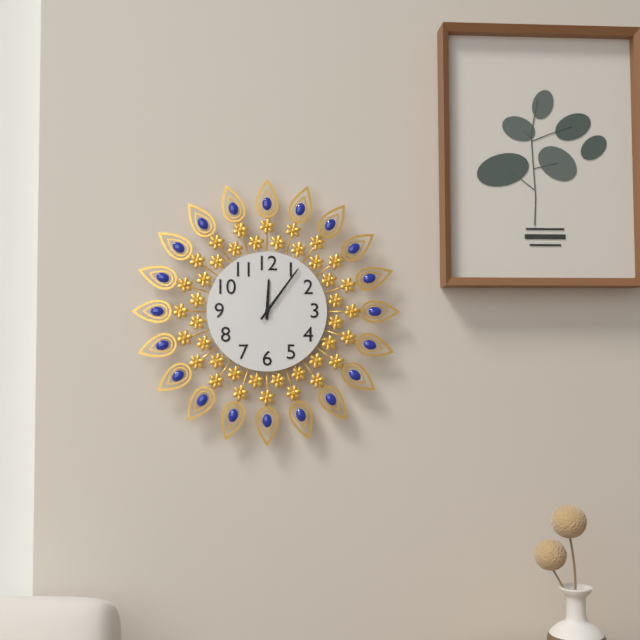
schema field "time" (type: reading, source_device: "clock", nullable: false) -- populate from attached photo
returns 12:06
